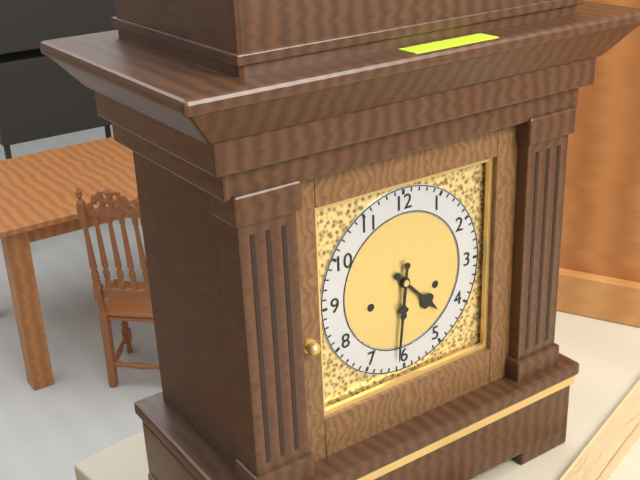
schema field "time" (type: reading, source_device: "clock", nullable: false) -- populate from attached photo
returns 4:31
